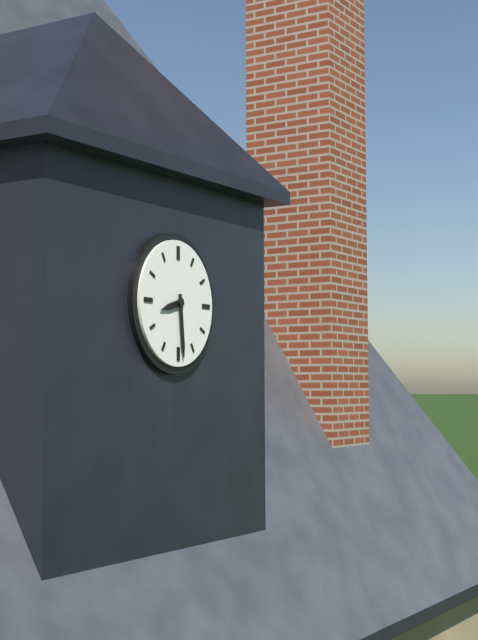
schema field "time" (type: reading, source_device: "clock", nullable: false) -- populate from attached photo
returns 8:29
